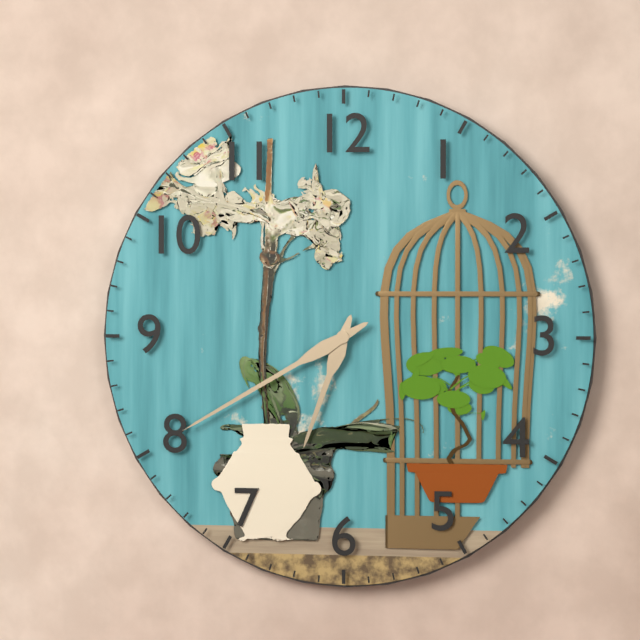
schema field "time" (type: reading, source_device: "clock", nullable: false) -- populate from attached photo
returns 6:40
